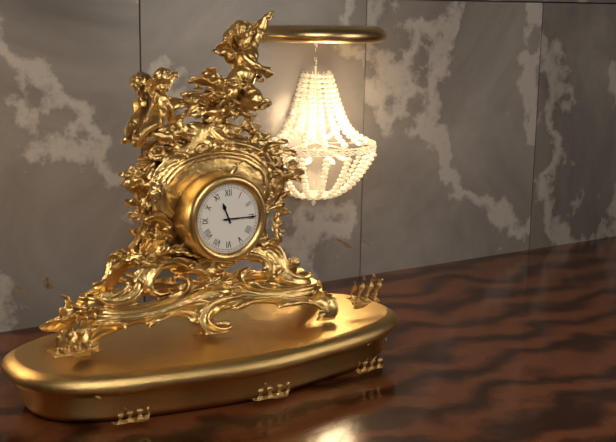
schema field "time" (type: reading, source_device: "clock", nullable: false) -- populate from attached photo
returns 11:15
